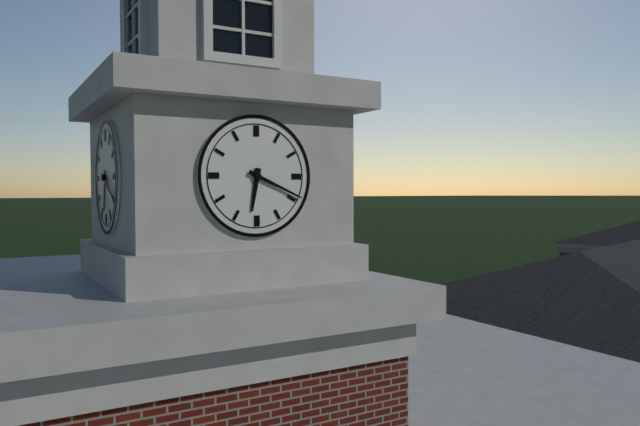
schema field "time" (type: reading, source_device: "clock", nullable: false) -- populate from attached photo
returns 6:19
